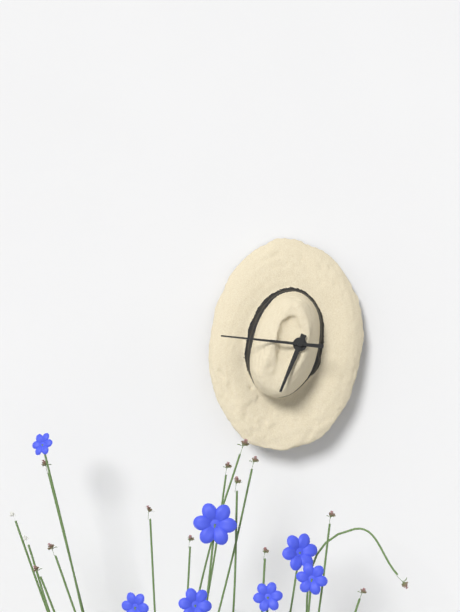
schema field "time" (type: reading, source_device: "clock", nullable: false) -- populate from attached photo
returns 6:46
